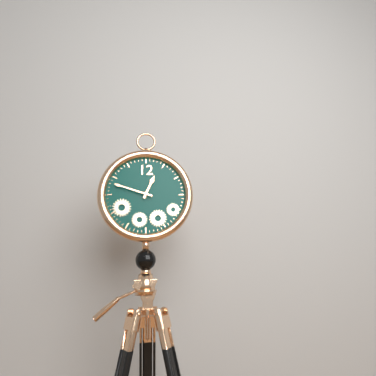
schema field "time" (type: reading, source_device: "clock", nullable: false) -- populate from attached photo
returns 12:48
